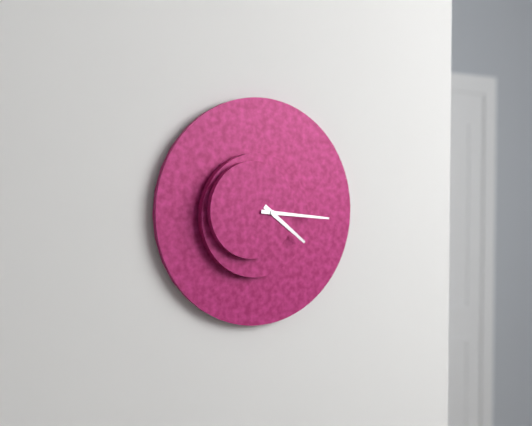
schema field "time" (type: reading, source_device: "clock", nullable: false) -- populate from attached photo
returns 4:16
